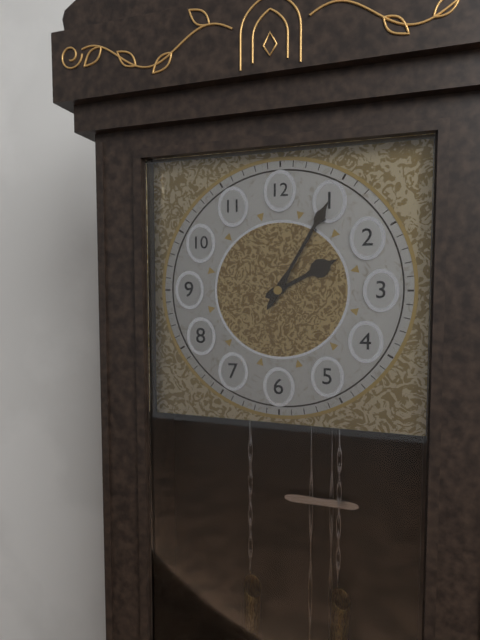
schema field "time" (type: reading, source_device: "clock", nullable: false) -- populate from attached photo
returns 2:05
